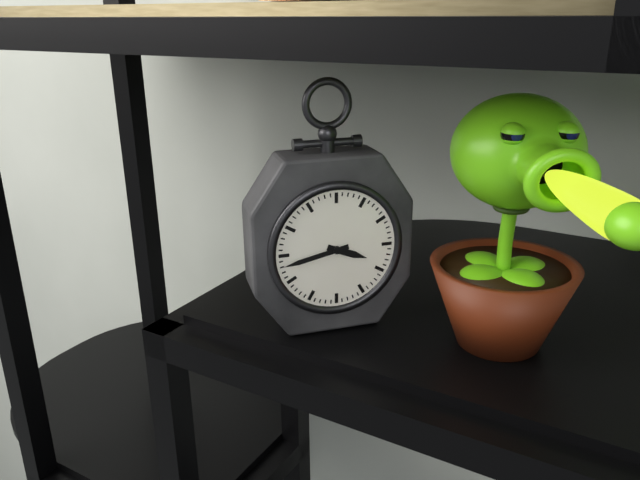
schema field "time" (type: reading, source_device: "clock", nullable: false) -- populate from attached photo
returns 3:43
